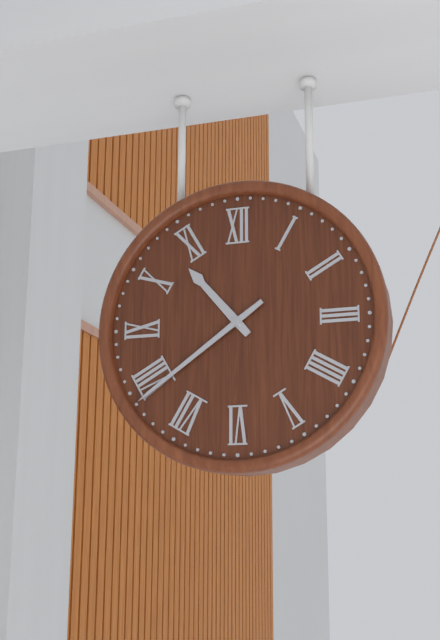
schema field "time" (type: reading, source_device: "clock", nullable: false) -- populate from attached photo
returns 10:39
